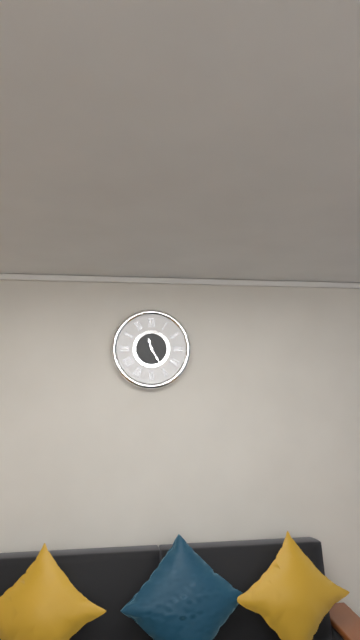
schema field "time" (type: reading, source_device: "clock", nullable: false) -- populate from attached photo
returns 11:25
